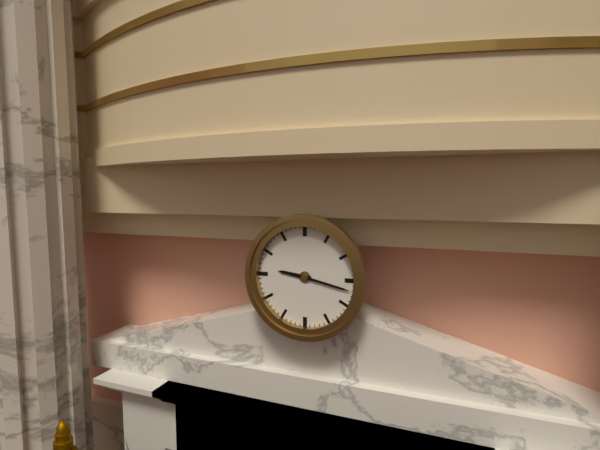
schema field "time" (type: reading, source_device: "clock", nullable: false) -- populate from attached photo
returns 9:17
